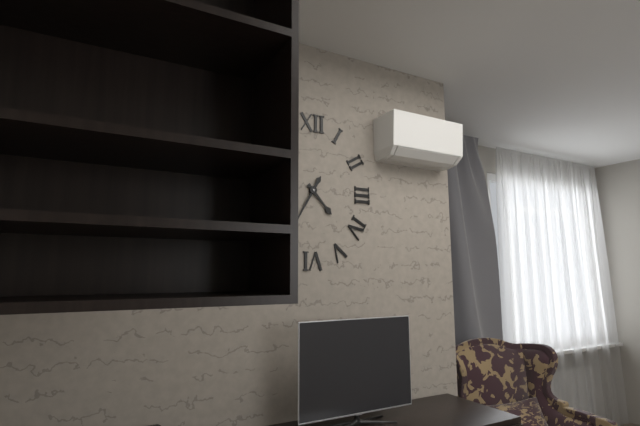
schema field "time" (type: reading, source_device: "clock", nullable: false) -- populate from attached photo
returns 4:35
